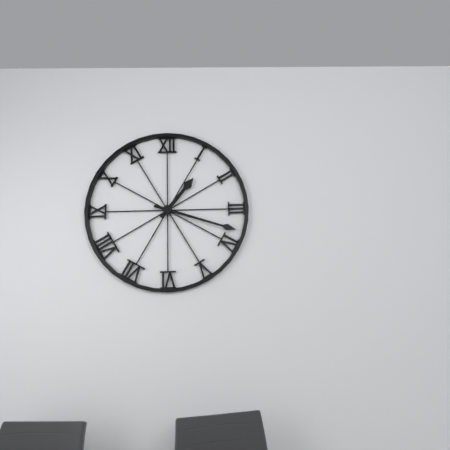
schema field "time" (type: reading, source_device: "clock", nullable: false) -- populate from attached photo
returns 1:18
